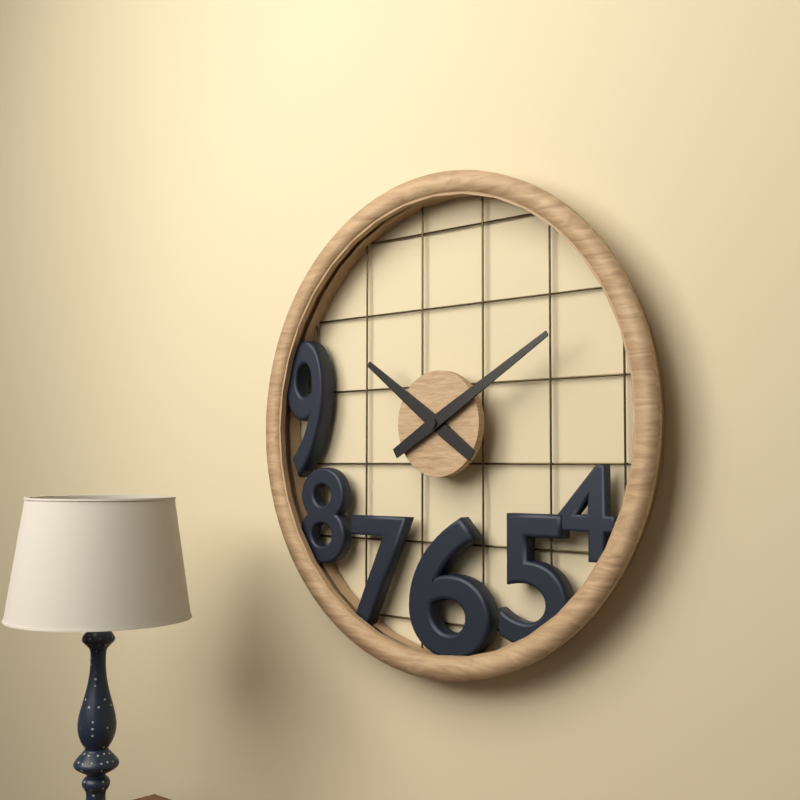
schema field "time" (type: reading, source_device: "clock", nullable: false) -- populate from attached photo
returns 10:10
